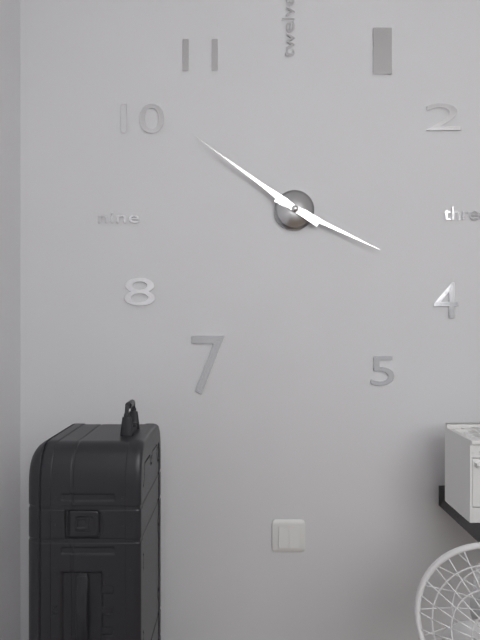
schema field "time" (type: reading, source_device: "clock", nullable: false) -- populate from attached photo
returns 3:51
